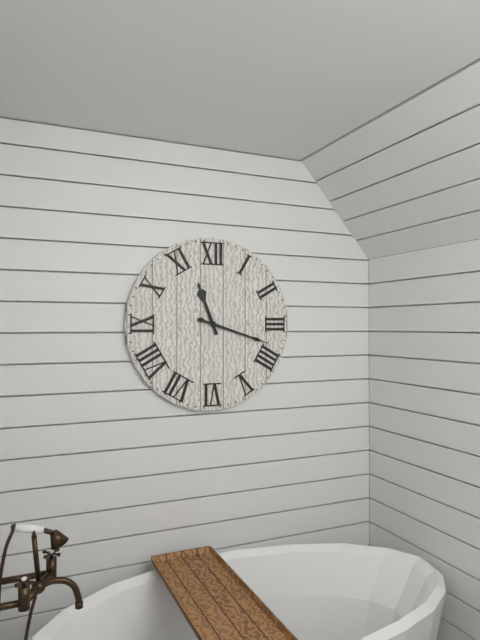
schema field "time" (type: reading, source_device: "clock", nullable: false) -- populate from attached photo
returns 11:18
